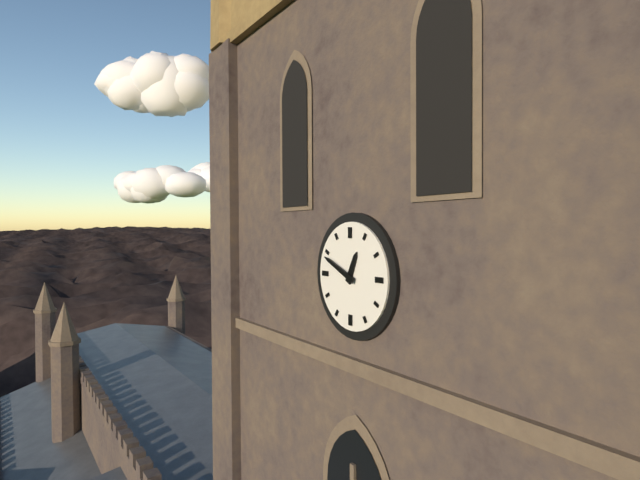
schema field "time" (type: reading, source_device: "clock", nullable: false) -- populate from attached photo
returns 12:49
